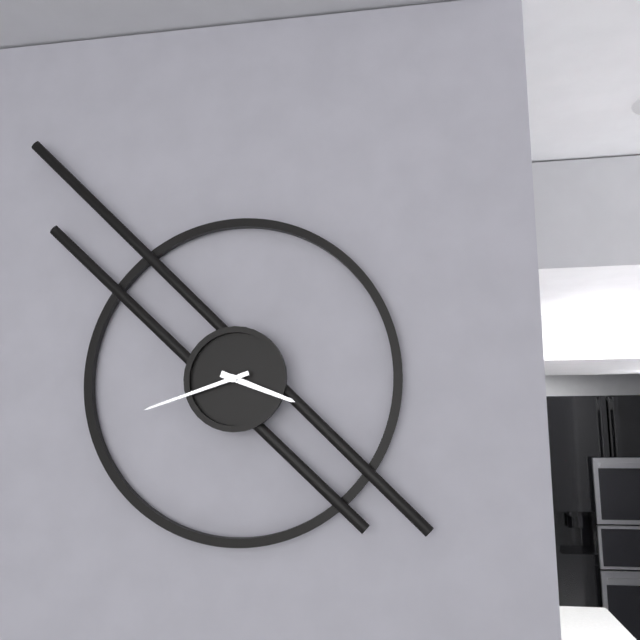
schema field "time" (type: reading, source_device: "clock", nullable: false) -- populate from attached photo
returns 3:42
